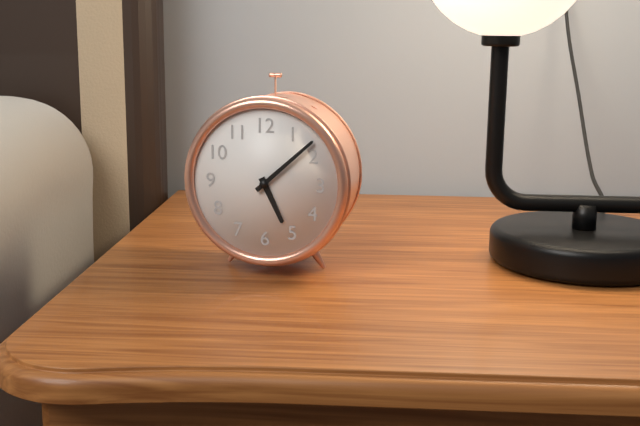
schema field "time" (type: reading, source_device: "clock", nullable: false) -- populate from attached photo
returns 5:08
